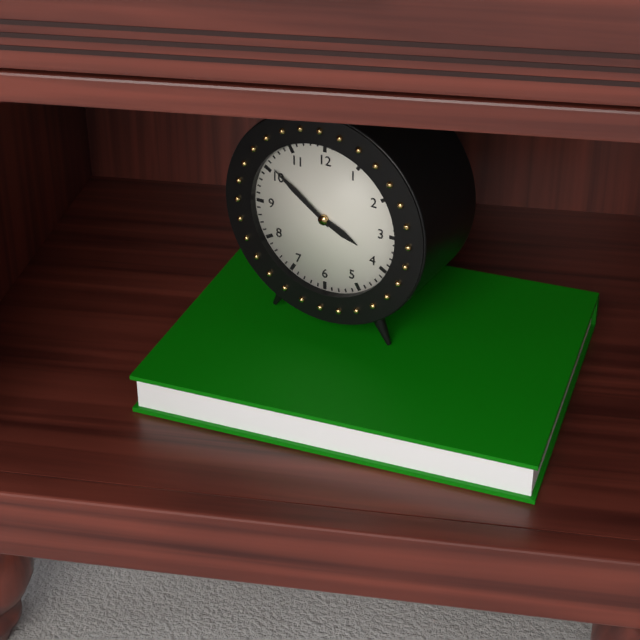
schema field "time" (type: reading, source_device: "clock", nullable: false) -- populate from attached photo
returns 3:51
